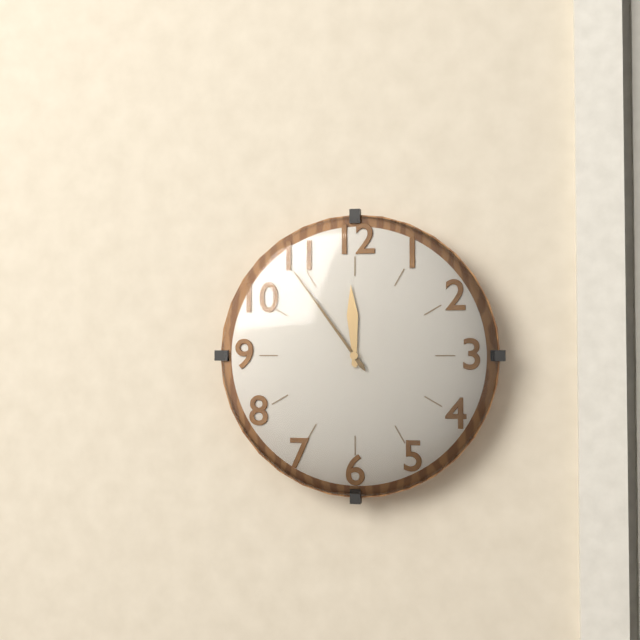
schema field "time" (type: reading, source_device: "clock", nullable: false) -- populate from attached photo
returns 11:54
